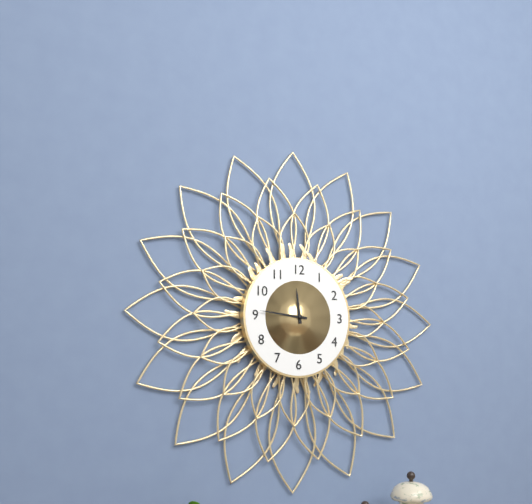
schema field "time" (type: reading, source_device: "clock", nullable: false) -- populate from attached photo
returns 11:46
